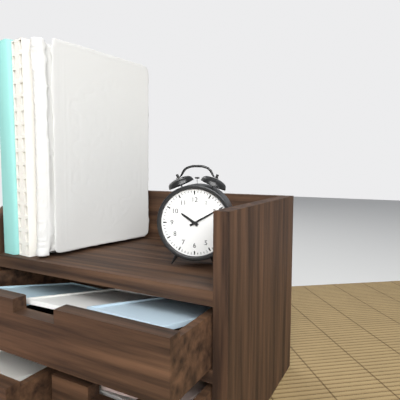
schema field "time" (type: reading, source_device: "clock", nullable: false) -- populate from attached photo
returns 10:10
